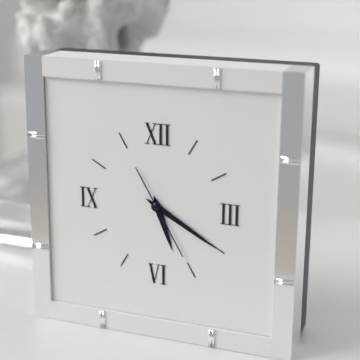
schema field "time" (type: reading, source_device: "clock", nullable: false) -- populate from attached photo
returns 5:20:25
